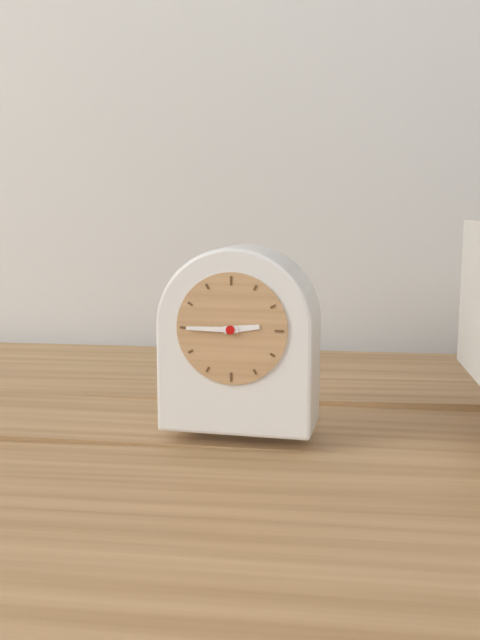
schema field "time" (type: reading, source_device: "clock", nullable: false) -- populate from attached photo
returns 2:45
